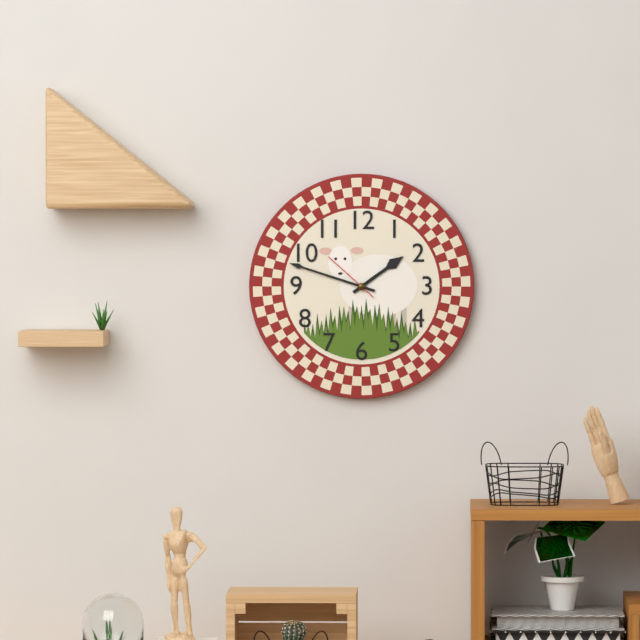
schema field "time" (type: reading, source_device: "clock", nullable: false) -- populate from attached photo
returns 1:48:52
